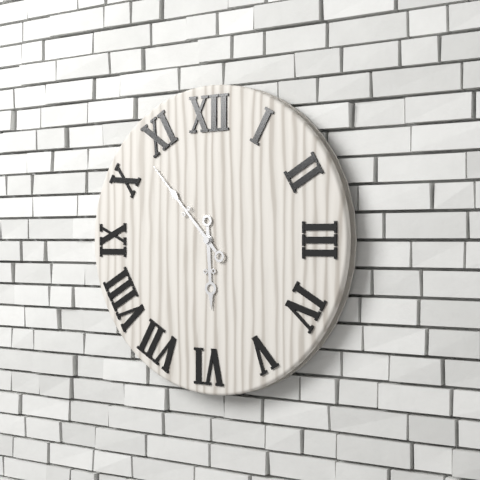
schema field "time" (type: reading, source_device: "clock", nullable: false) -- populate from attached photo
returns 5:53
